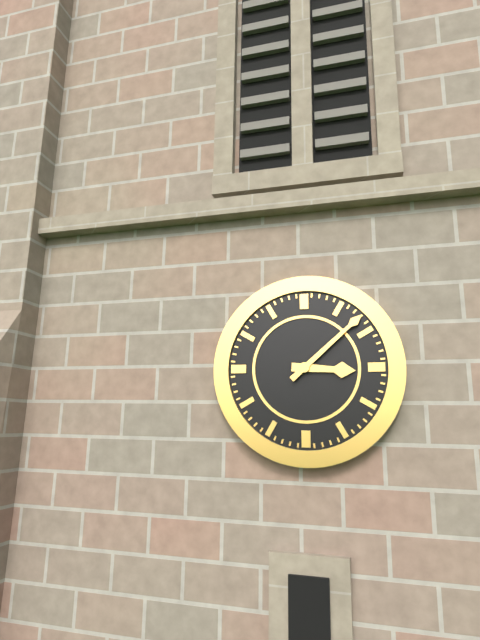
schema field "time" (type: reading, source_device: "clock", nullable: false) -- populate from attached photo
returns 3:08
